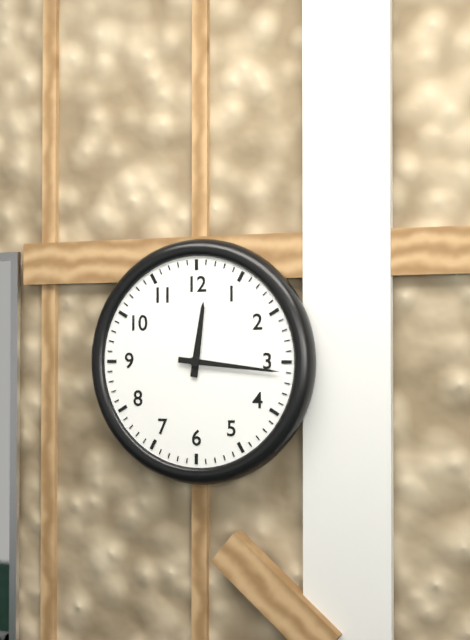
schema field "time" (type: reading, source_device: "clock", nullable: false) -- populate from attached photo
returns 12:16
